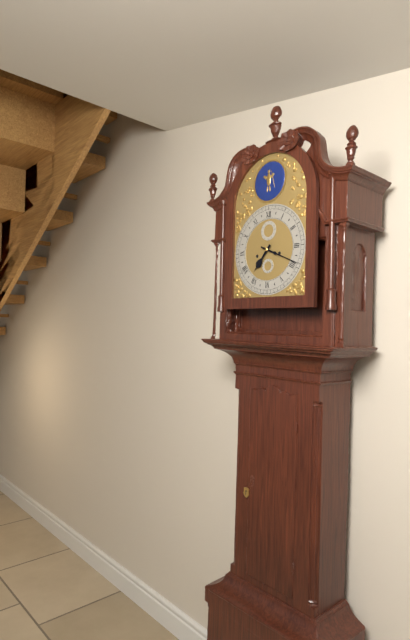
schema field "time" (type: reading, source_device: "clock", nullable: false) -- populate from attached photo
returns 7:19
